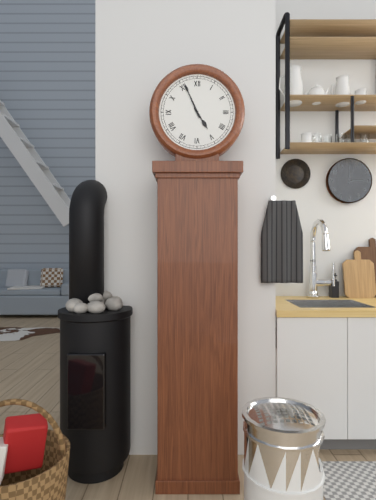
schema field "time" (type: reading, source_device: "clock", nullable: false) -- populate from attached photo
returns 4:56
